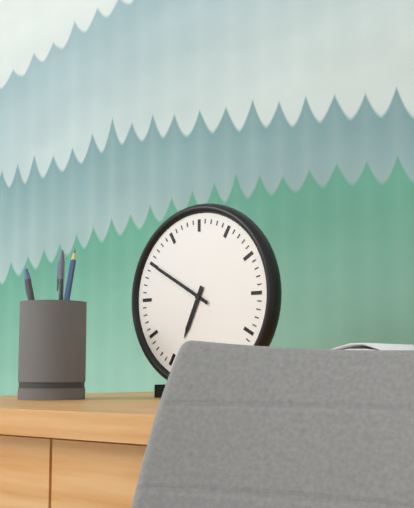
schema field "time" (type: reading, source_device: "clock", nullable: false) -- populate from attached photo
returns 6:50
